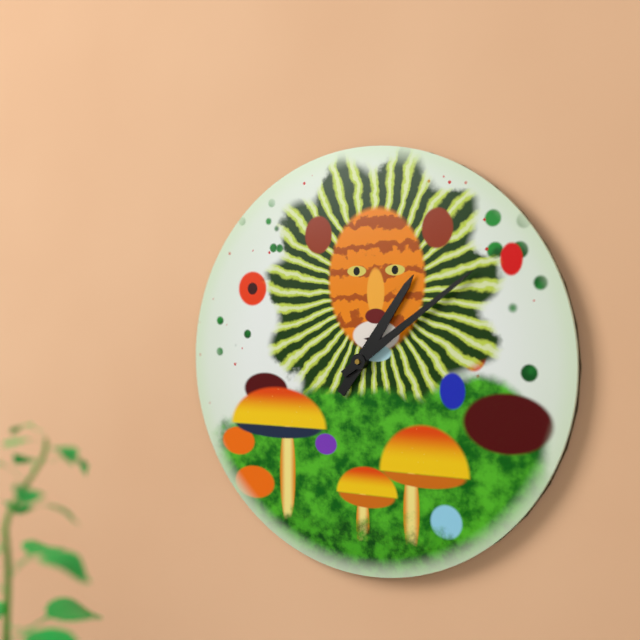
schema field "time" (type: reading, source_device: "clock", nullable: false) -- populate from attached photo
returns 1:09
